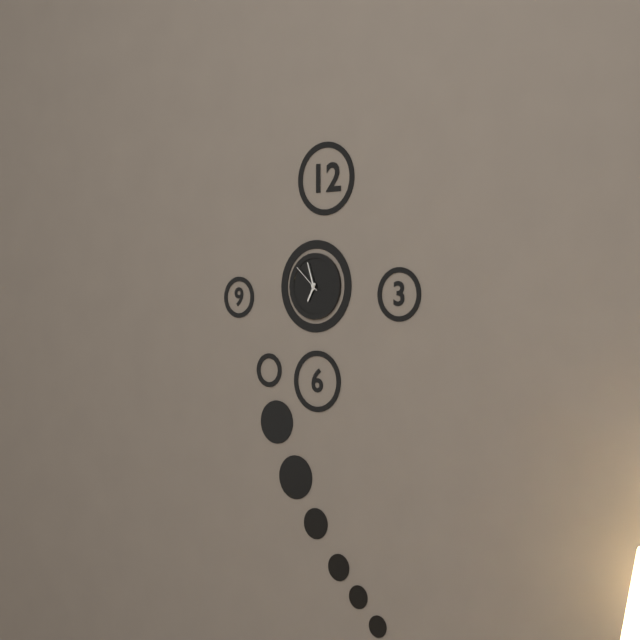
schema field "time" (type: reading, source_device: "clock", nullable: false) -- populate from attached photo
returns 6:57
